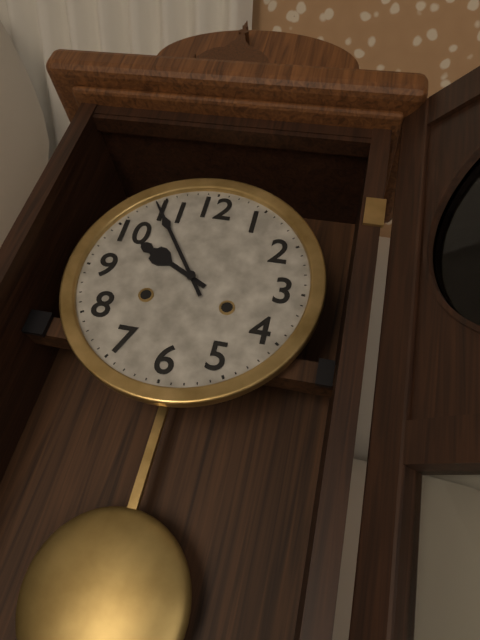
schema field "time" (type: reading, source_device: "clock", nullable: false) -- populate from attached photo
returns 9:54
